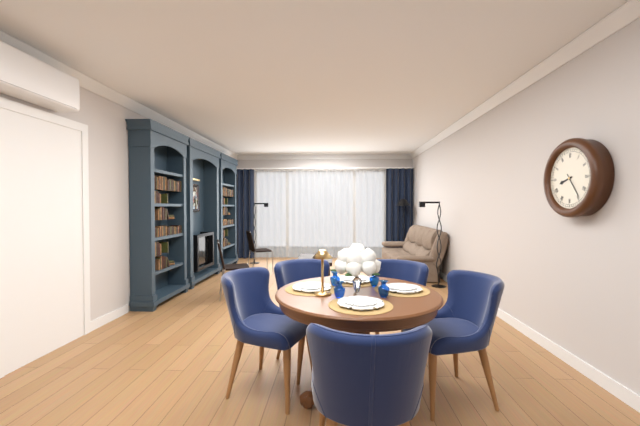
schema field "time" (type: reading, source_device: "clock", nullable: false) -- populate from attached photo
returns 8:24
